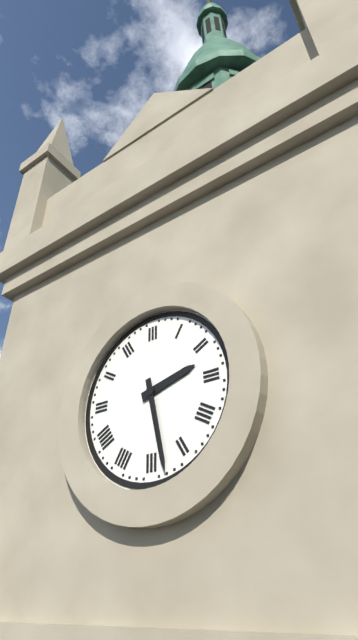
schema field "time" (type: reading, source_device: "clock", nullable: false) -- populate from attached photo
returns 2:28
